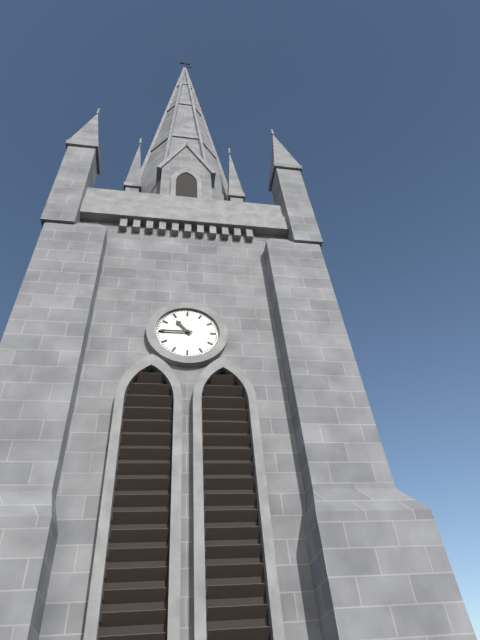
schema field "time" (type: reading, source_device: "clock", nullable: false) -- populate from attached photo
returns 10:45
